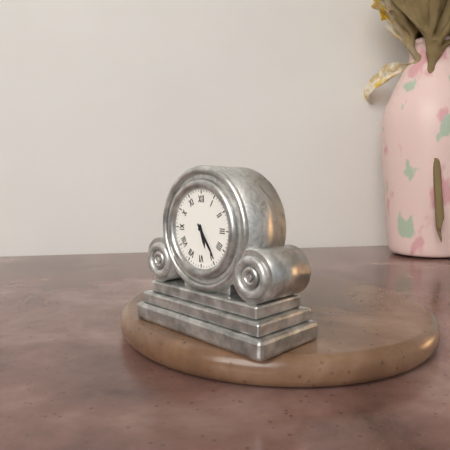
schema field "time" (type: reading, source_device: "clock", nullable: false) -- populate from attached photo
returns 5:24
